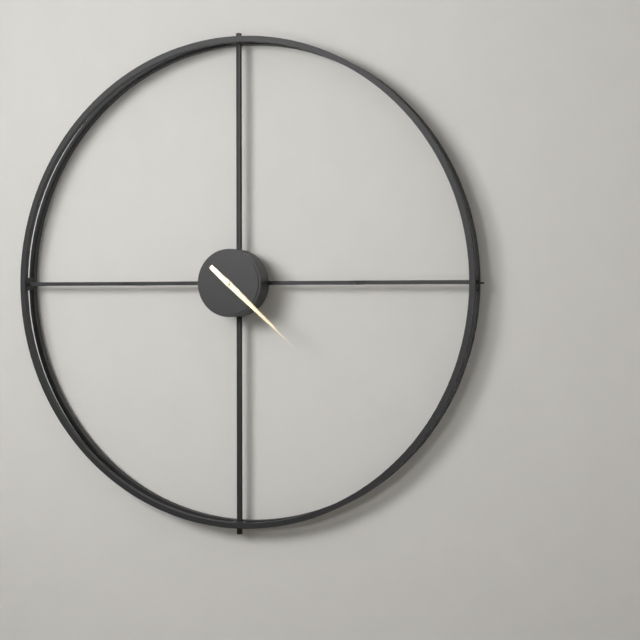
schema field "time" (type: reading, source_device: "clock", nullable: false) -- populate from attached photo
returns 4:22
